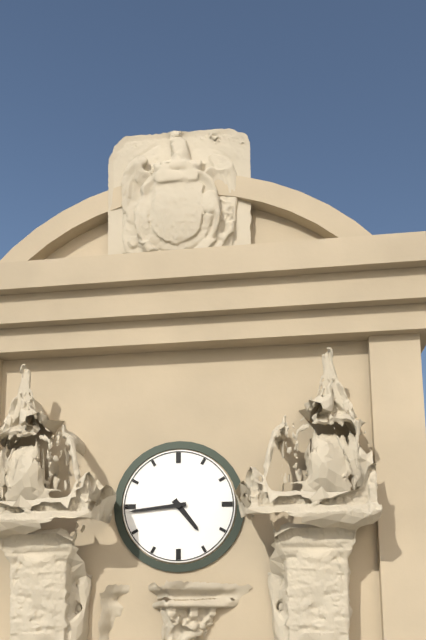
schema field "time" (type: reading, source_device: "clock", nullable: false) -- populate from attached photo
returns 4:44
